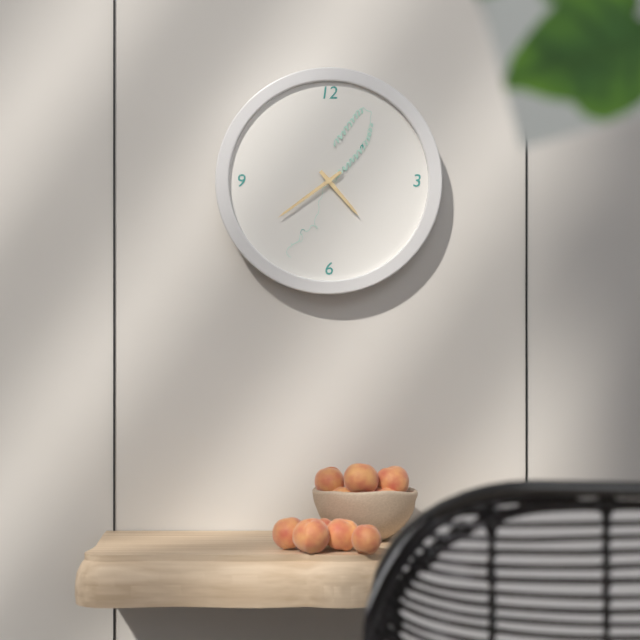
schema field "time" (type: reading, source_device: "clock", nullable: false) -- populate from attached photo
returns 4:39
